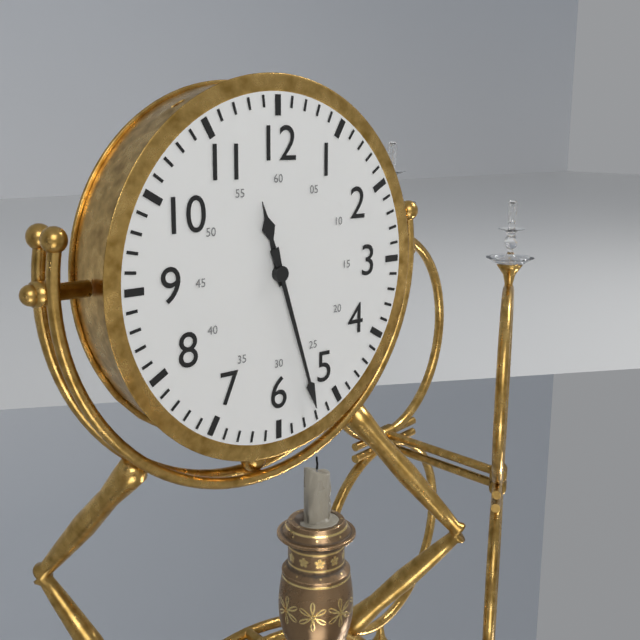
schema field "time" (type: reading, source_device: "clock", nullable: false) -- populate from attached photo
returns 11:27
